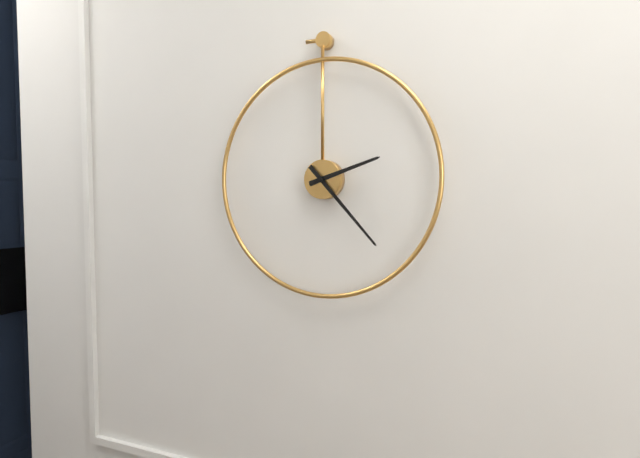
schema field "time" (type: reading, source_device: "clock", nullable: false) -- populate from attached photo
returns 2:23
